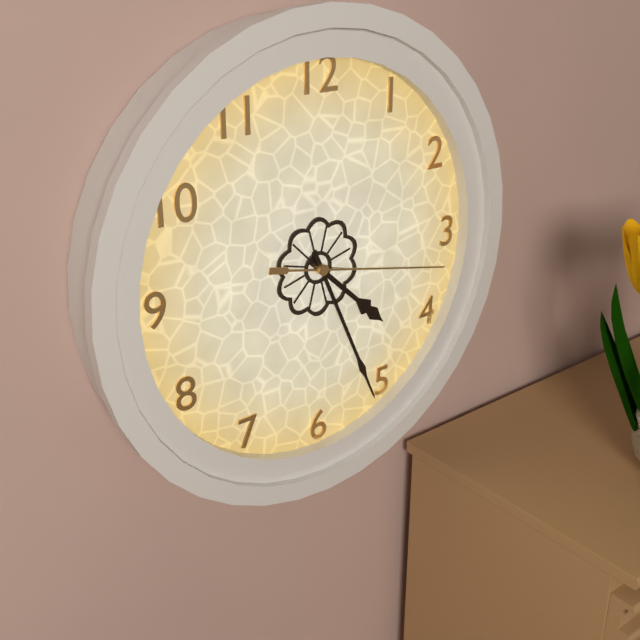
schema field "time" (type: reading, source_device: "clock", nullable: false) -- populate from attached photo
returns 4:26:17
